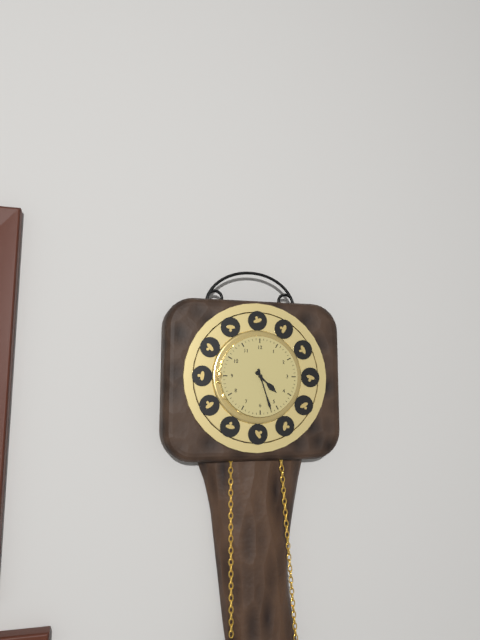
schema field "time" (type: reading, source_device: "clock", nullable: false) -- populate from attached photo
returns 4:27
